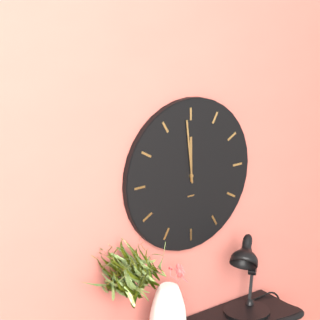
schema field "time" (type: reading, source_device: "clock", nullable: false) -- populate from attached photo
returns 11:59
